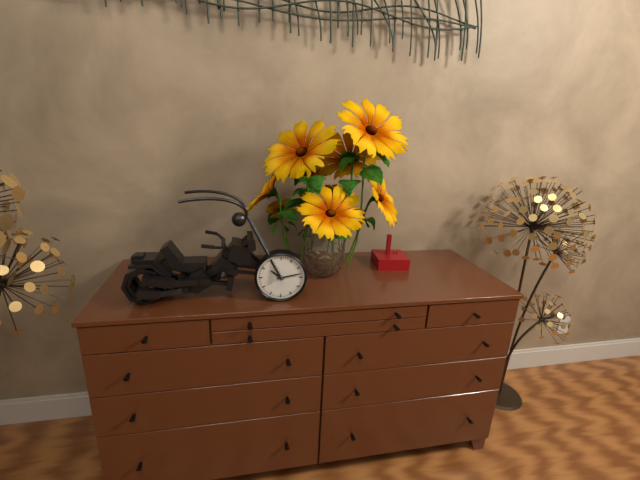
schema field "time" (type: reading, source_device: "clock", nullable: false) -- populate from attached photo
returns 10:13
